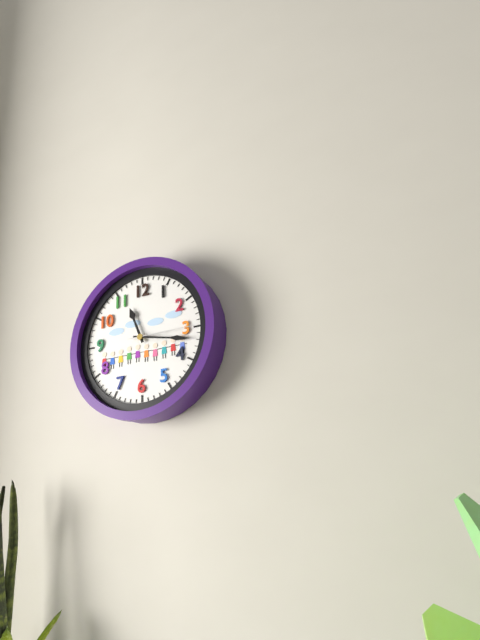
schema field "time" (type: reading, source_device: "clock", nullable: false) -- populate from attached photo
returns 11:17:15
